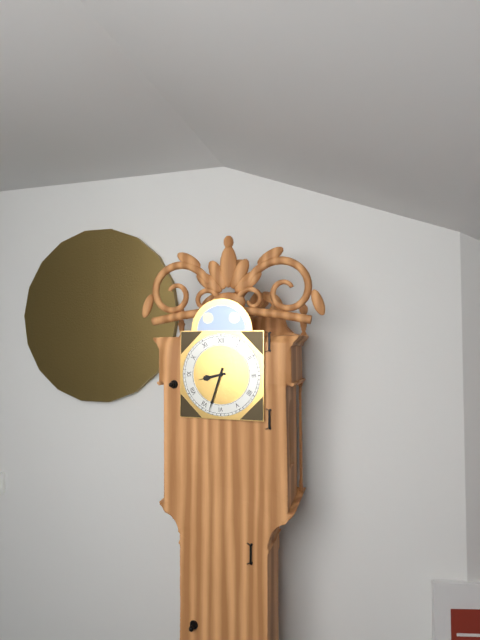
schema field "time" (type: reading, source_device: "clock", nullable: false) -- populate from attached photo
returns 8:33
